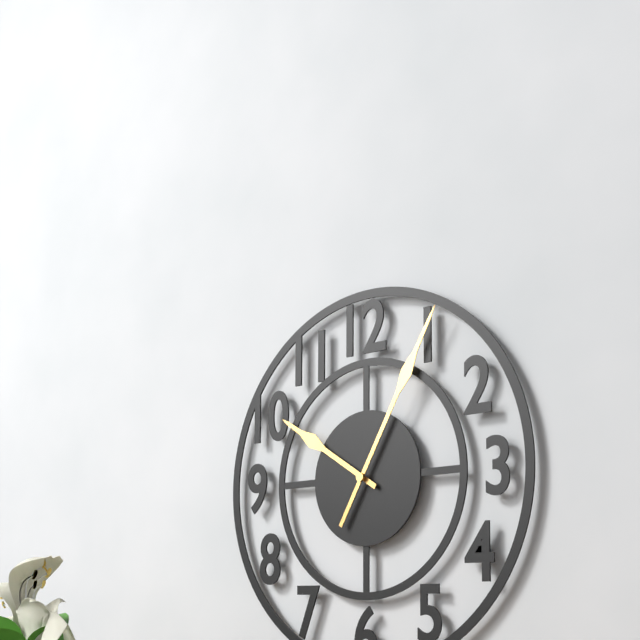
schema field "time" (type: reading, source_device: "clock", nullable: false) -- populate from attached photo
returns 10:05
